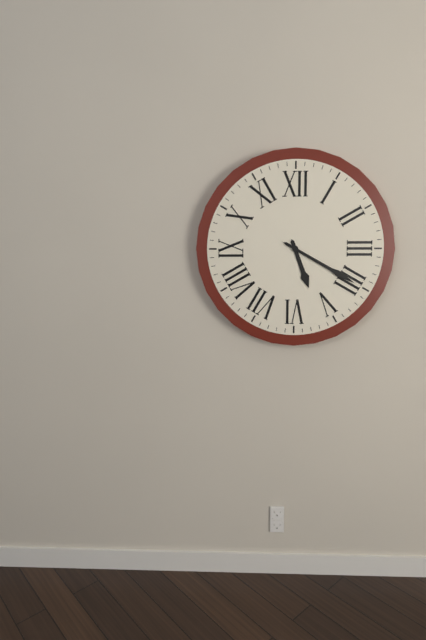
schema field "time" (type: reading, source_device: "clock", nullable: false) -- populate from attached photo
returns 5:20
